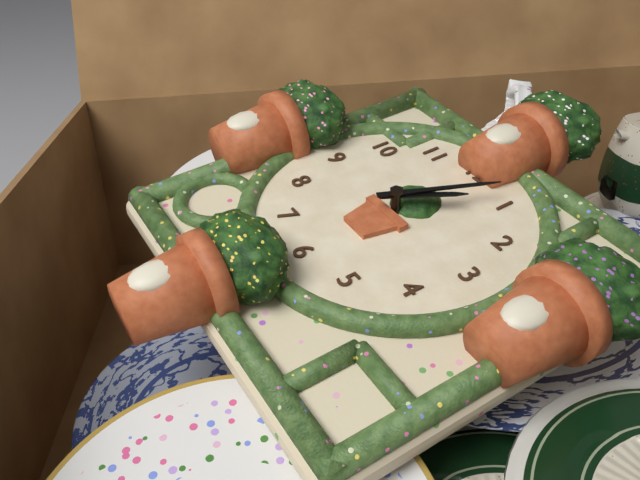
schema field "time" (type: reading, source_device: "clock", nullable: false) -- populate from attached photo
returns 1:04
